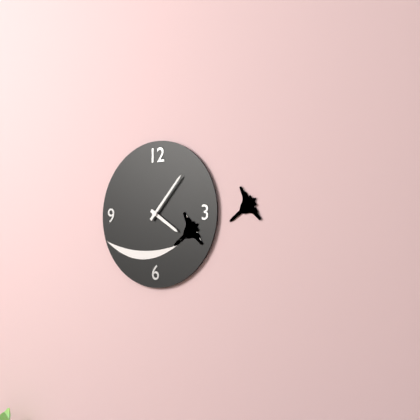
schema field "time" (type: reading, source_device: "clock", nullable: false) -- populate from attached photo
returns 4:07
